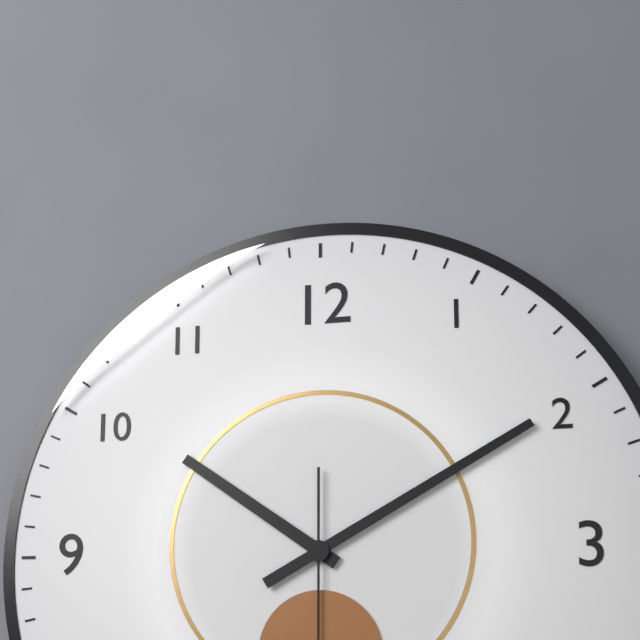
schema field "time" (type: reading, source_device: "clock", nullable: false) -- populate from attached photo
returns 10:10
